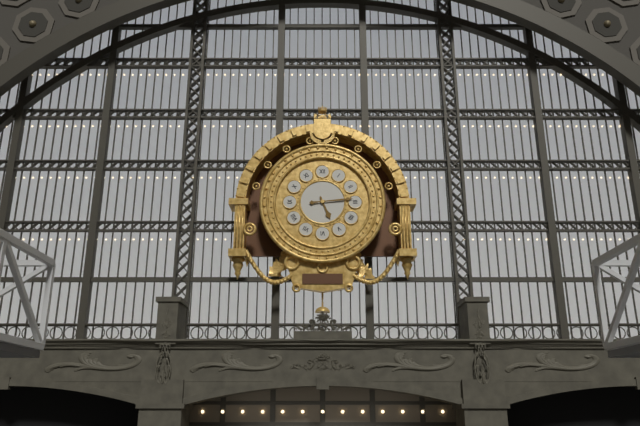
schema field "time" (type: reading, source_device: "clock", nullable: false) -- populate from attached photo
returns 5:14
